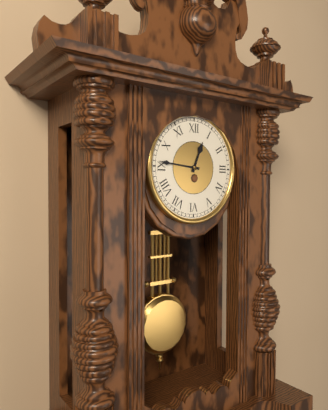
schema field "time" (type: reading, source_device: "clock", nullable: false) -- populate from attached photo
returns 12:46
